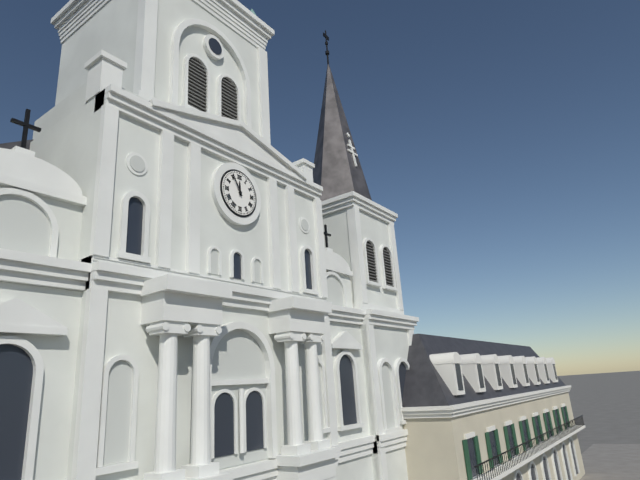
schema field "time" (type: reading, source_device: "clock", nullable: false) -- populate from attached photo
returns 11:55
